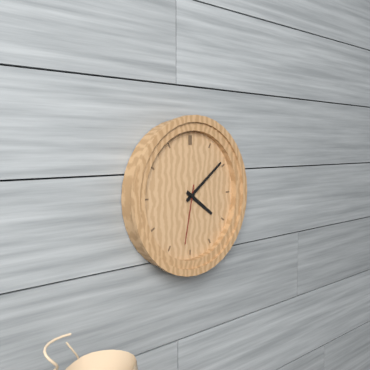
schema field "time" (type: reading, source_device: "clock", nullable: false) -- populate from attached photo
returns 4:09:32
